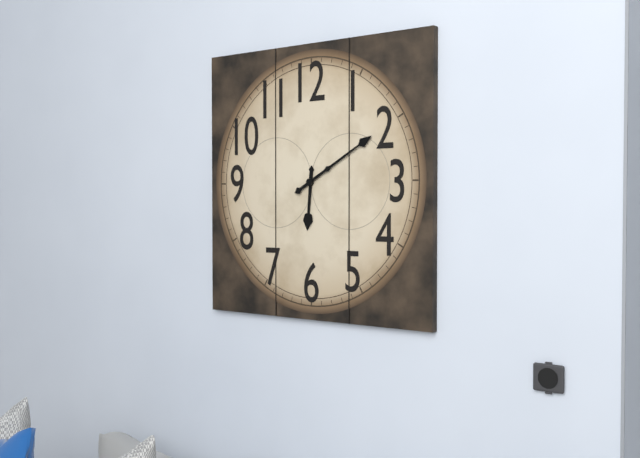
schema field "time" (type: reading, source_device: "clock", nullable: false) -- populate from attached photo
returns 6:10
